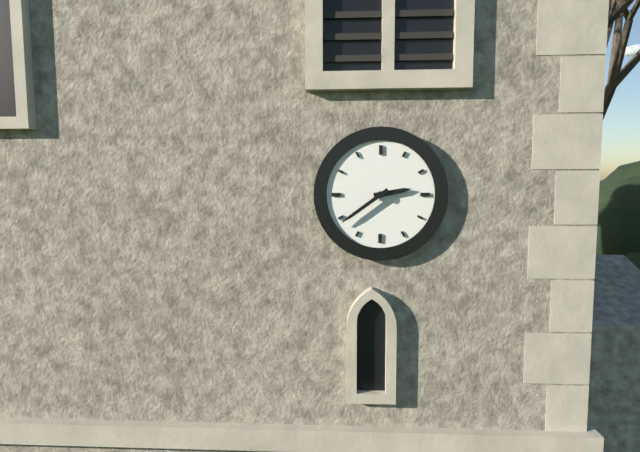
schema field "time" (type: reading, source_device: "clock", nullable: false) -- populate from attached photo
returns 2:39
